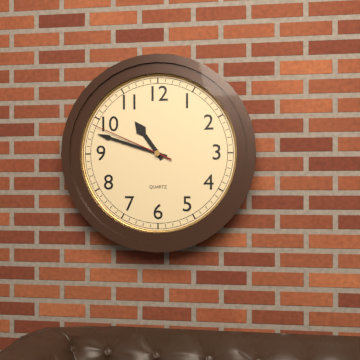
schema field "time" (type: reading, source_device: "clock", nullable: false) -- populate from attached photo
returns 10:48:49
